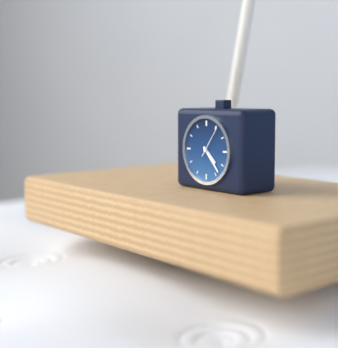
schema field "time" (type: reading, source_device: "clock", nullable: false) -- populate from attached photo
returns 4:23
